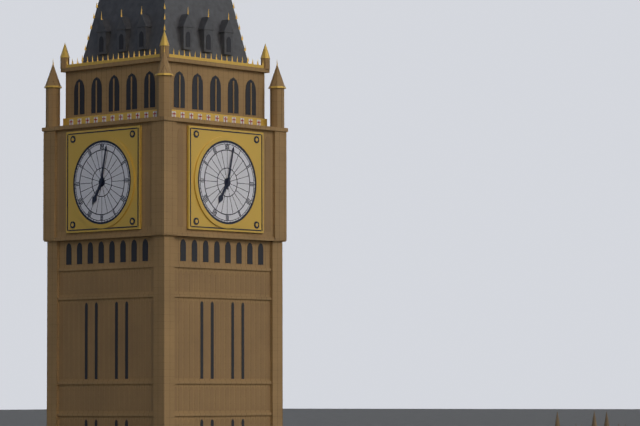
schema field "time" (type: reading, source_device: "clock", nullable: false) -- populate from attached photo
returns 7:02
